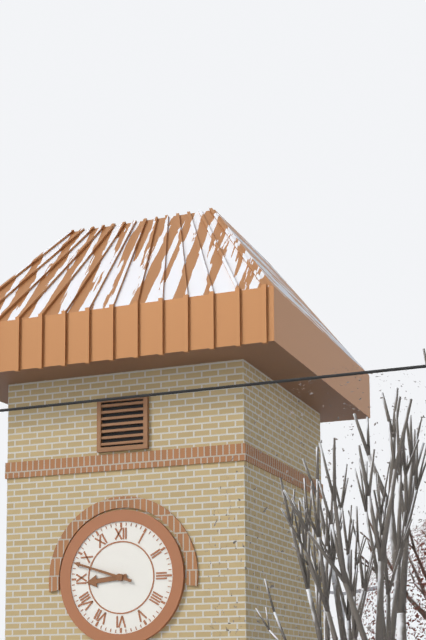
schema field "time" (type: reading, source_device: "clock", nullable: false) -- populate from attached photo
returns 8:48
